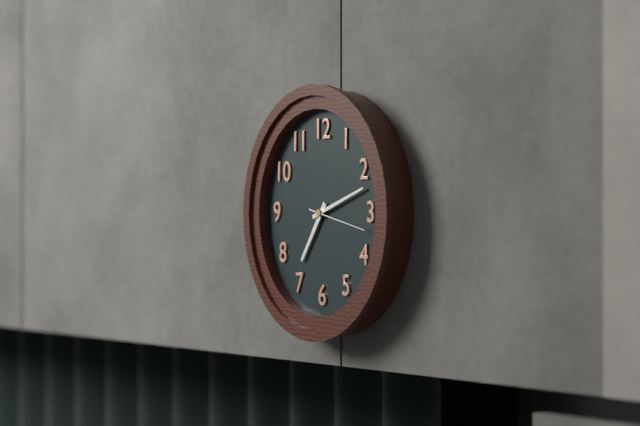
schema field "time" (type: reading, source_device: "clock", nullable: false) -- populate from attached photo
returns 7:12:17
